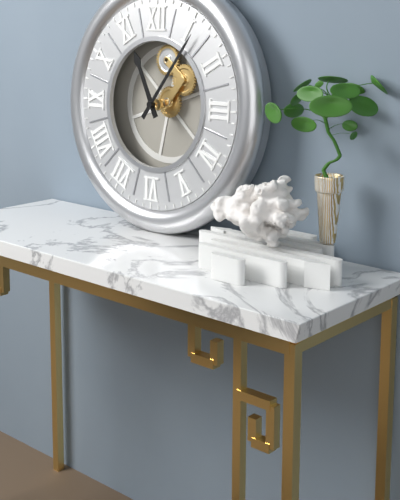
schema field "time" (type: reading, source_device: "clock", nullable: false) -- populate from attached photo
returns 11:06
